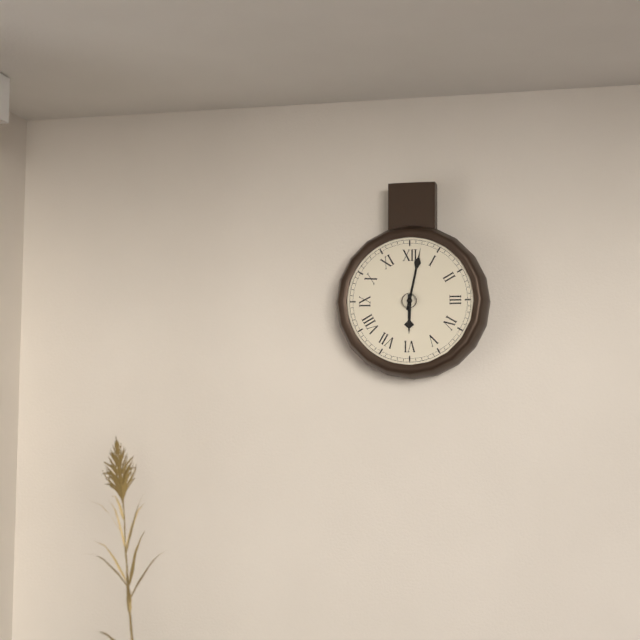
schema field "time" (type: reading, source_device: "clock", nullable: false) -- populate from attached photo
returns 6:02
